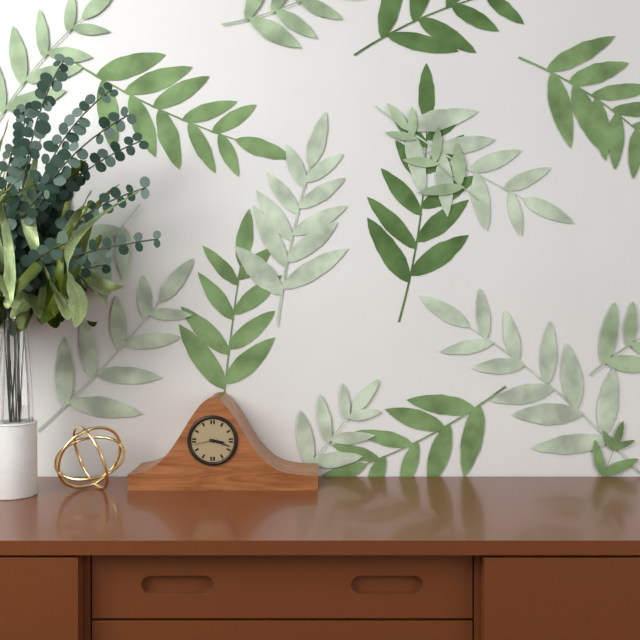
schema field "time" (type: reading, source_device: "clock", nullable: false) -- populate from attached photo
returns 3:18
